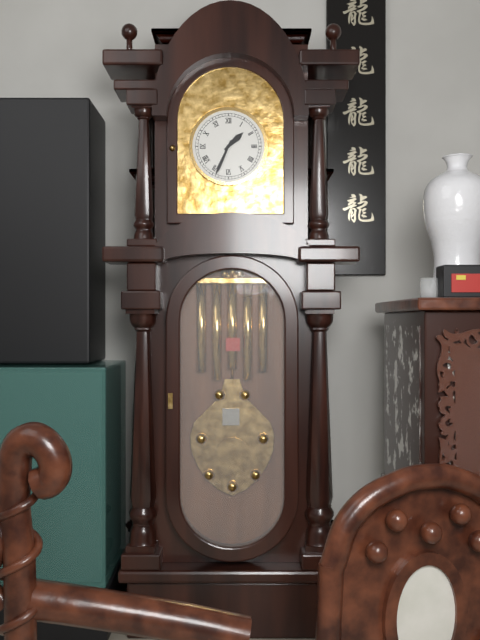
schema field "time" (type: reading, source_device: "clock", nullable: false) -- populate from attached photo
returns 1:34
